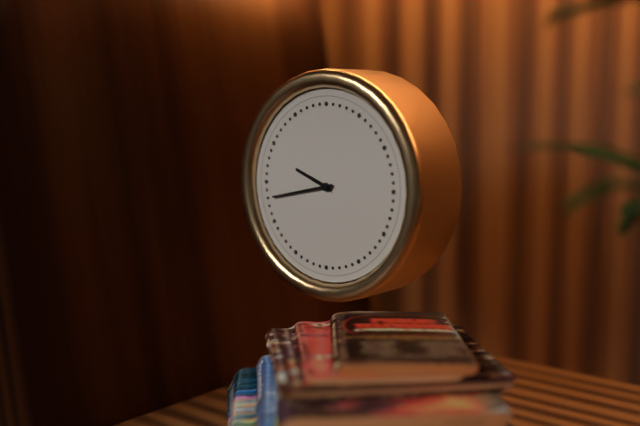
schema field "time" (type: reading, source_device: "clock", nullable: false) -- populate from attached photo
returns 9:43
